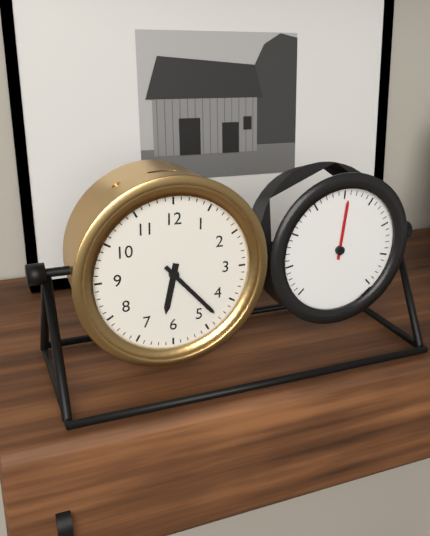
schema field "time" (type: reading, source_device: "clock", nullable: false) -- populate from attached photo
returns 6:23
